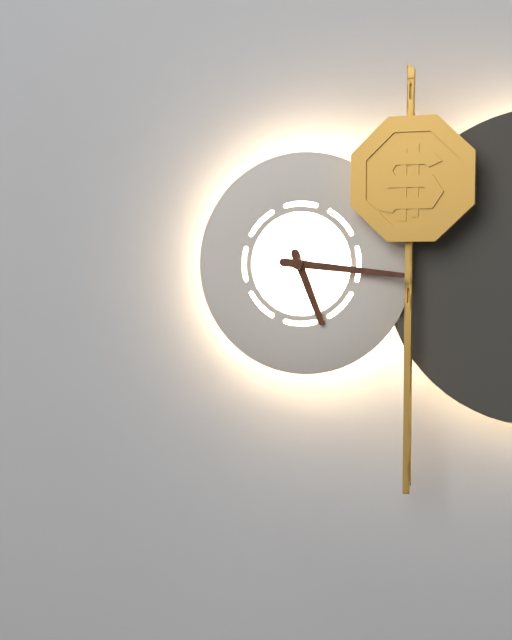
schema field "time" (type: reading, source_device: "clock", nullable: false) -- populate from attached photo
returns 5:16
